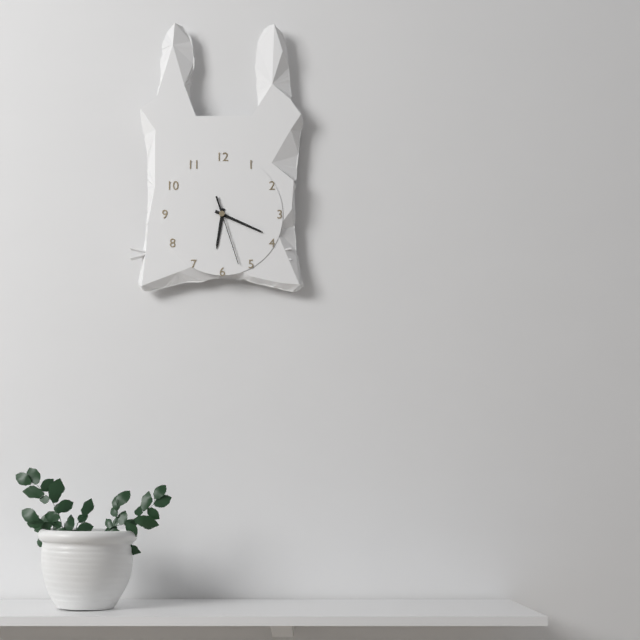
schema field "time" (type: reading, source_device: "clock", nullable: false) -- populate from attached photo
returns 6:19:27
